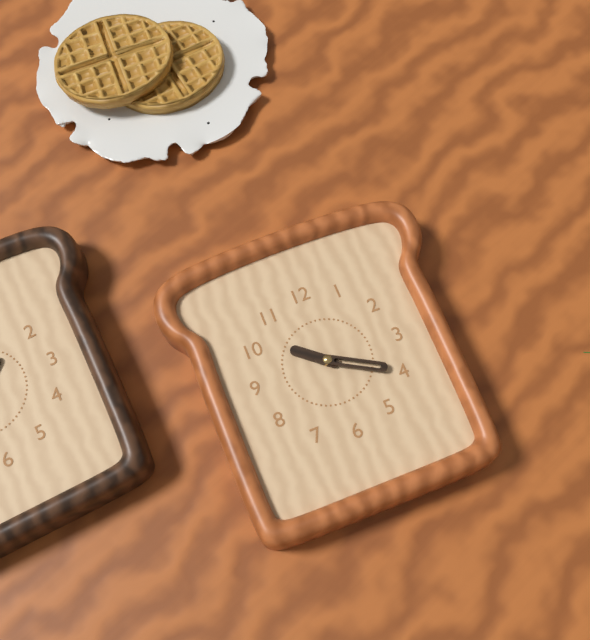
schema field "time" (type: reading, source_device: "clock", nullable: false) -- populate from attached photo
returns 10:20
